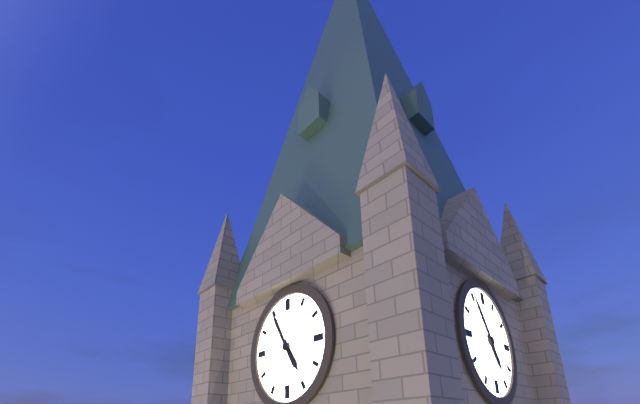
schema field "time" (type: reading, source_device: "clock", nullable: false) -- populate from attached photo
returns 4:55
